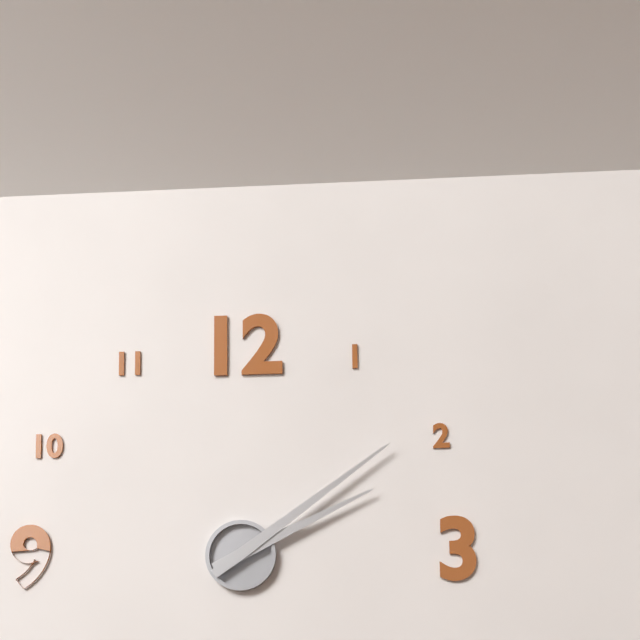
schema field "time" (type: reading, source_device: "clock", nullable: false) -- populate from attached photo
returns 2:09
